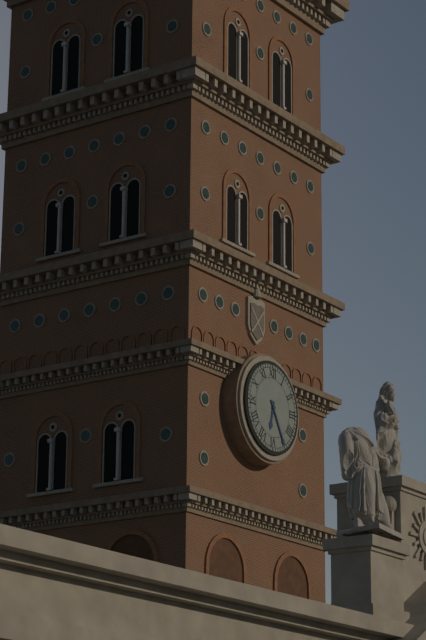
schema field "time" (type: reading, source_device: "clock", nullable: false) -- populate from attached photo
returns 6:25
